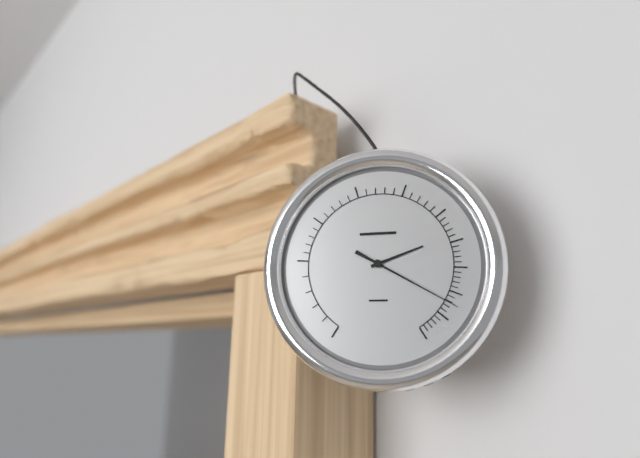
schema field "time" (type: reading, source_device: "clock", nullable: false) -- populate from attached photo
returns 2:20
